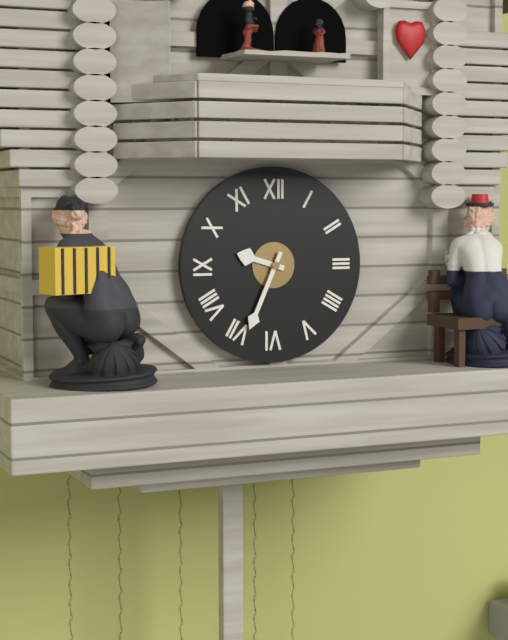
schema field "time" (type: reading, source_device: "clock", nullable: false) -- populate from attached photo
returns 9:34
